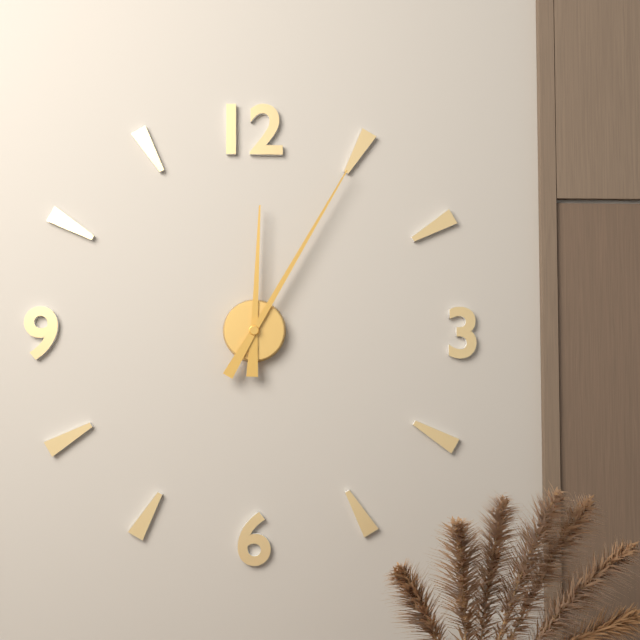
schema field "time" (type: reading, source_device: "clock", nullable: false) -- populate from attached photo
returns 12:05
